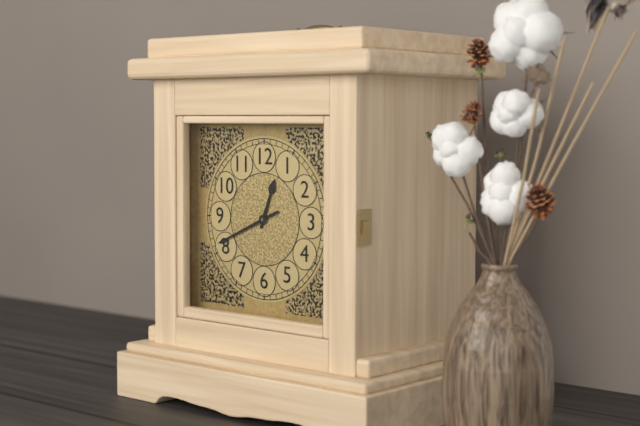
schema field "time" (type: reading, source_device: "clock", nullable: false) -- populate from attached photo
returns 12:41
